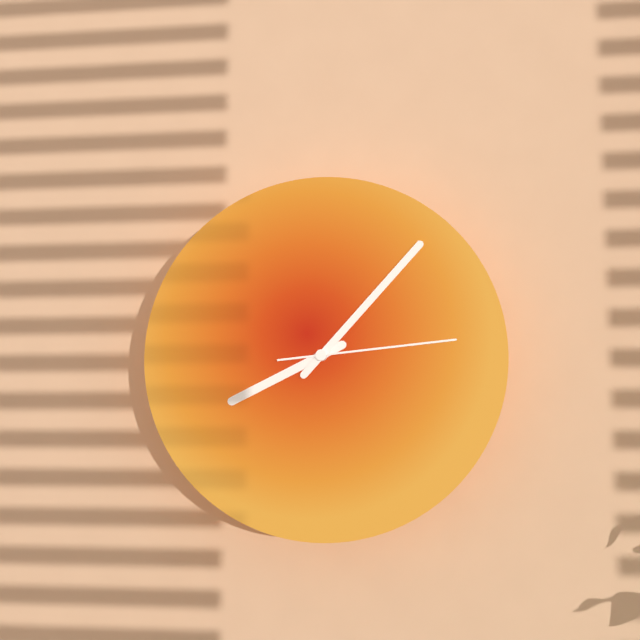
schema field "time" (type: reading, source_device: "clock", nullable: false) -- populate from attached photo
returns 8:07:14
